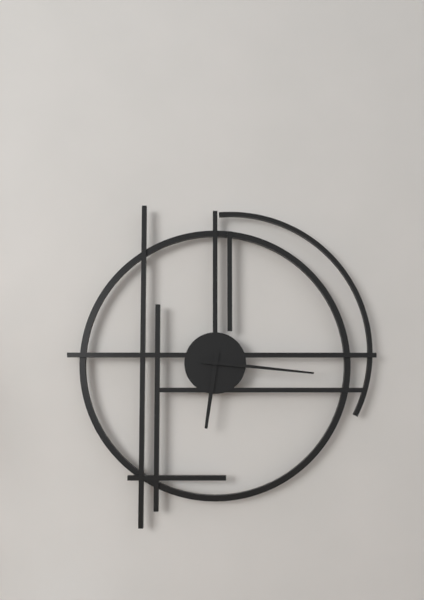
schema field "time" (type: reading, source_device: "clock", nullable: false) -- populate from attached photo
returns 6:16
